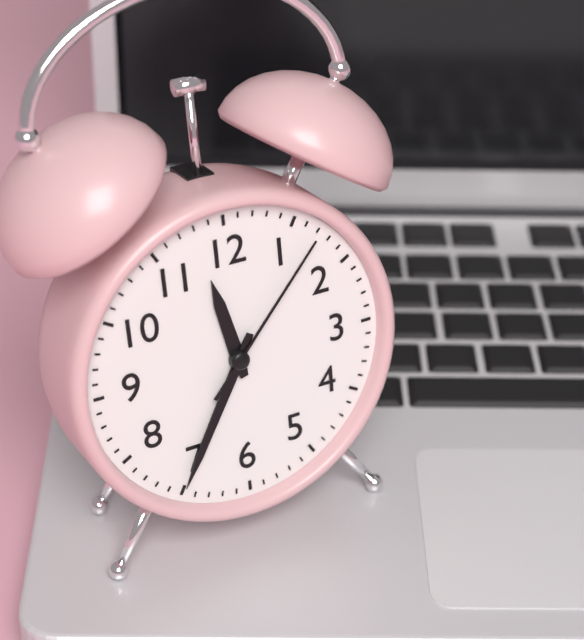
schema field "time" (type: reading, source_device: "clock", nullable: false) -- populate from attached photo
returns 11:35:07
